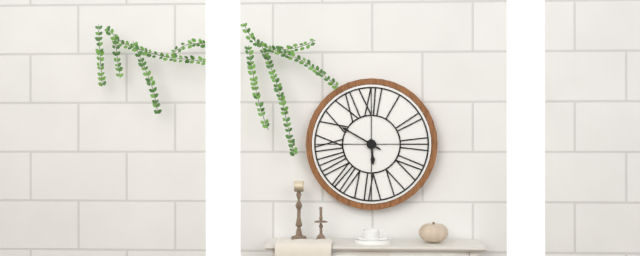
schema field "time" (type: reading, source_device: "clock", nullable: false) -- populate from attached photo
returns 5:50
